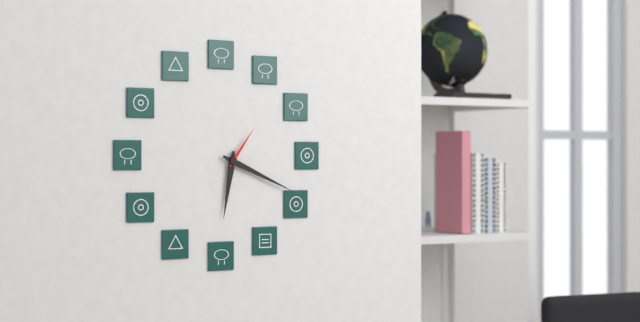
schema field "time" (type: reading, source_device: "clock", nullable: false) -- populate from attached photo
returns 6:19:06
